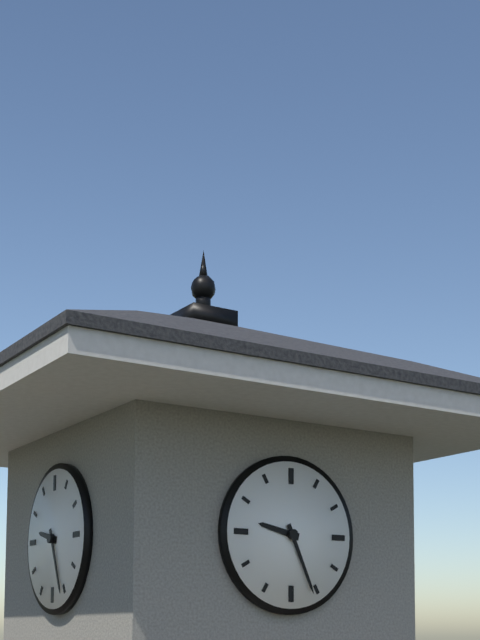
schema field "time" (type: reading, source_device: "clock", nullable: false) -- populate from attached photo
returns 9:26
